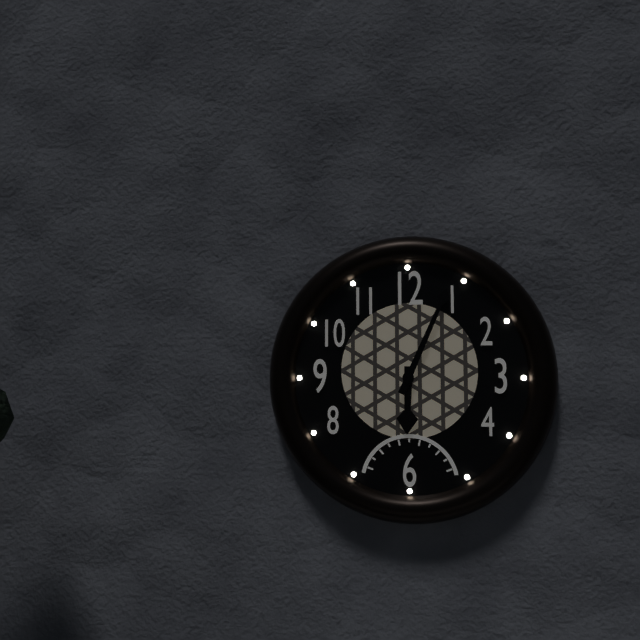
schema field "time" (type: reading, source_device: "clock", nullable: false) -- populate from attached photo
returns 6:04
